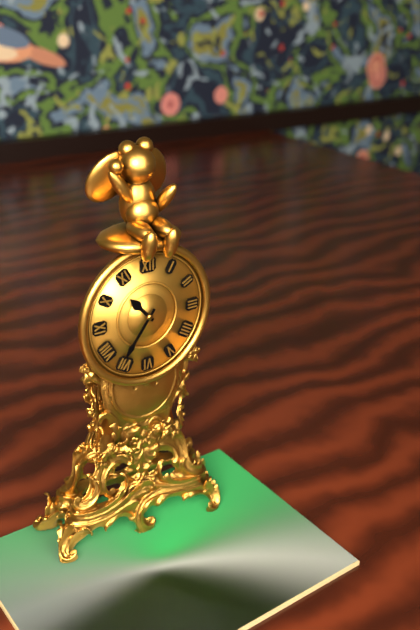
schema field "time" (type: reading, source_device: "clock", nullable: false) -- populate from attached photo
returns 10:36
